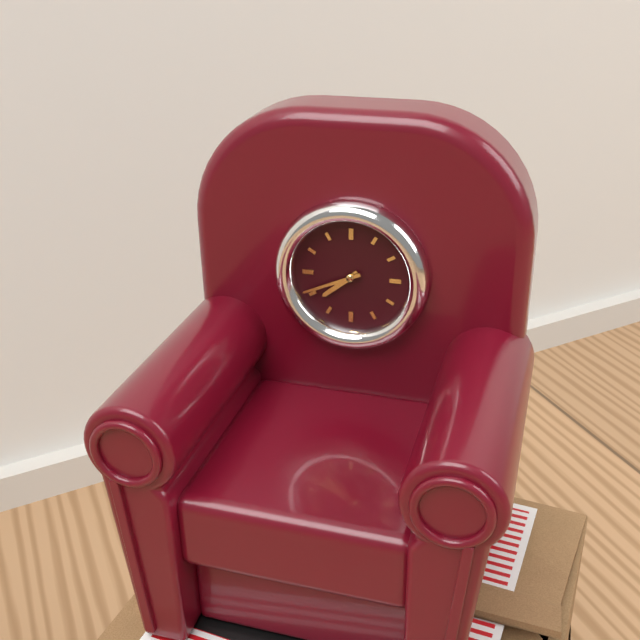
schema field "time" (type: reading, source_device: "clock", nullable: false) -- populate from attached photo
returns 7:41
